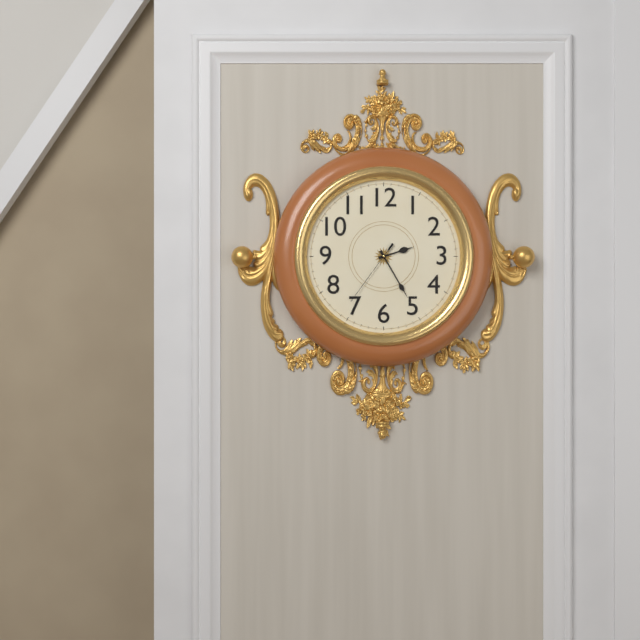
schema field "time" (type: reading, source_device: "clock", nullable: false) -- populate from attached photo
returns 2:25:36
